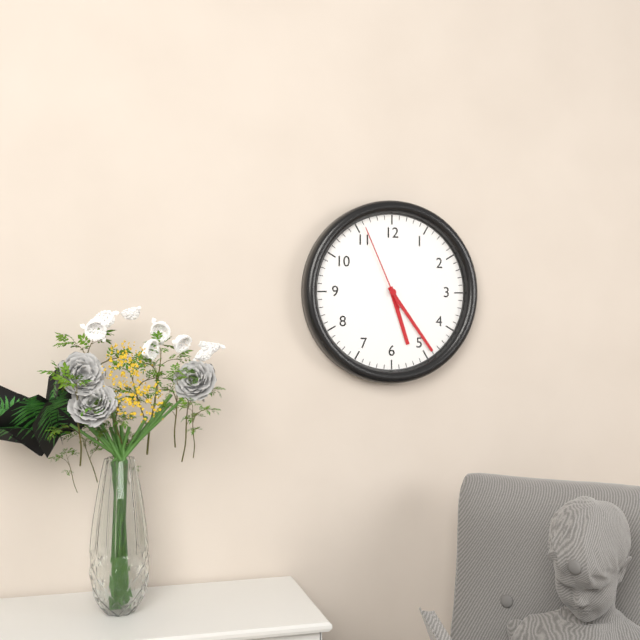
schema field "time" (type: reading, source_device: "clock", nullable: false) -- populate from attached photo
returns 5:24:56
